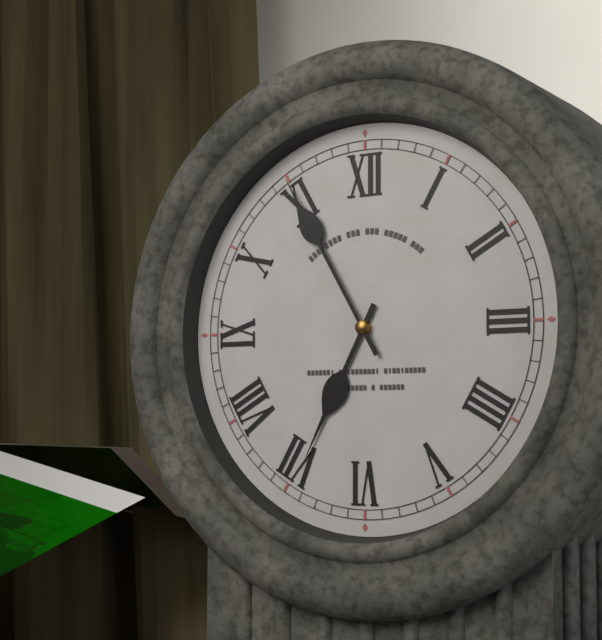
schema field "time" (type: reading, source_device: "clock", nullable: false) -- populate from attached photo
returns 6:55
